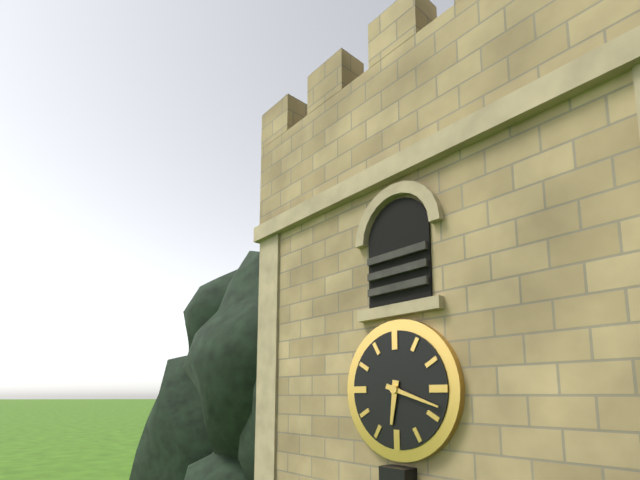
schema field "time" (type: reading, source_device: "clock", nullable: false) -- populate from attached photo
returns 6:18
